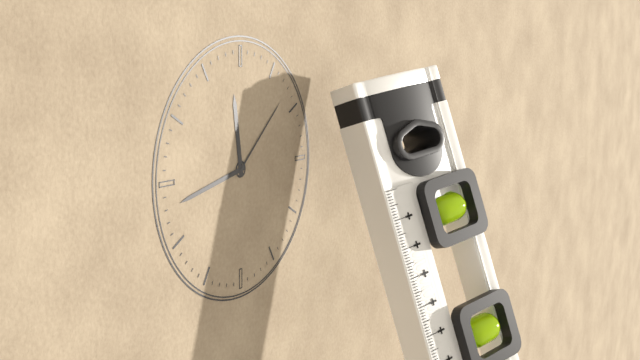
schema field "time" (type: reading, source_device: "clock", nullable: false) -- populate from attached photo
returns 11:43:08
